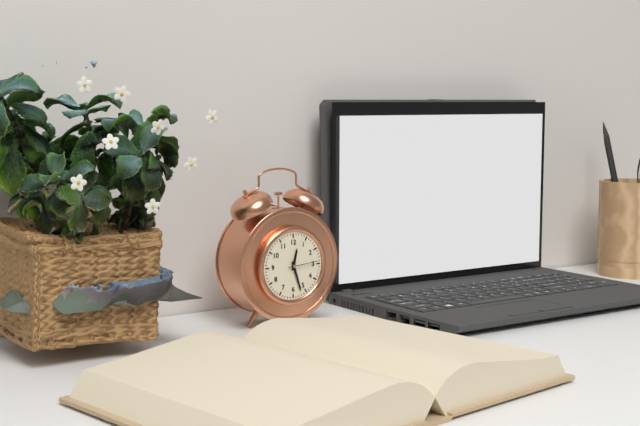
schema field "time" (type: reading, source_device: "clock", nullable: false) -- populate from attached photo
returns 12:27
